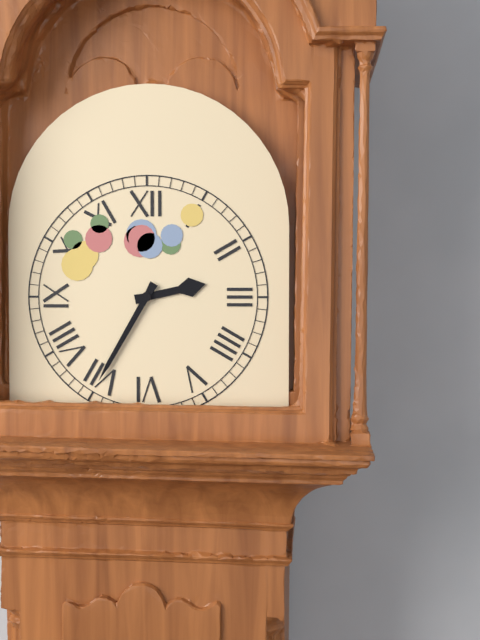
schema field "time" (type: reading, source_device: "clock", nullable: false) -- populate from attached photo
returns 2:35
